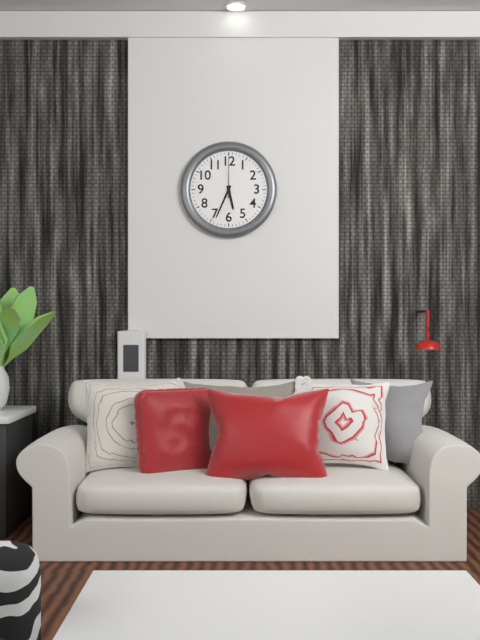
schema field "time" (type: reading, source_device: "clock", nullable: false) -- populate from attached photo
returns 5:34
